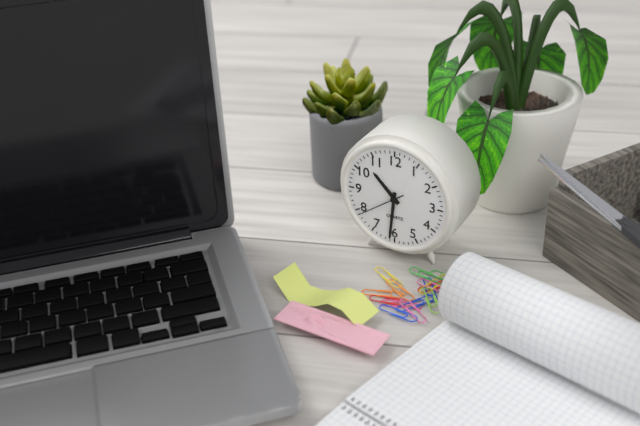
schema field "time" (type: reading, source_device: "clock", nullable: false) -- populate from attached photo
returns 10:31
